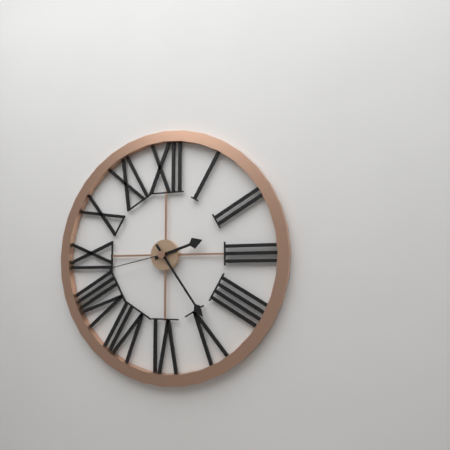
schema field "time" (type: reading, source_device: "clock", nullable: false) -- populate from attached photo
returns 2:24:43
